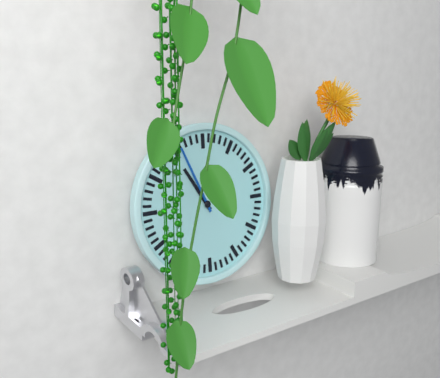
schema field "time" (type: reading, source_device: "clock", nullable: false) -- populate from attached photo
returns 10:56
